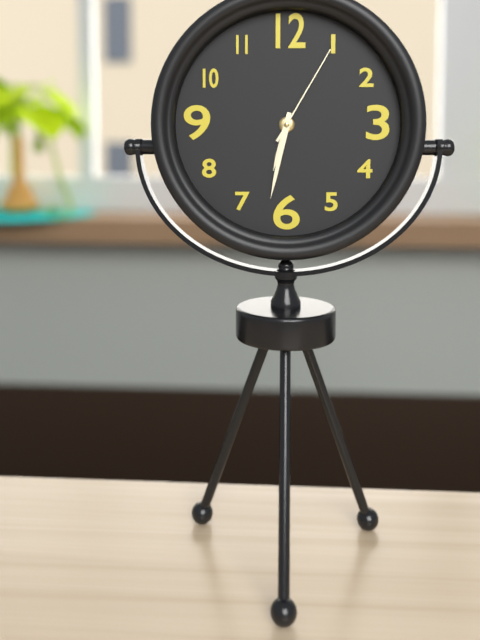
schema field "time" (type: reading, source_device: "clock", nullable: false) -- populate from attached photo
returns 6:32:05
